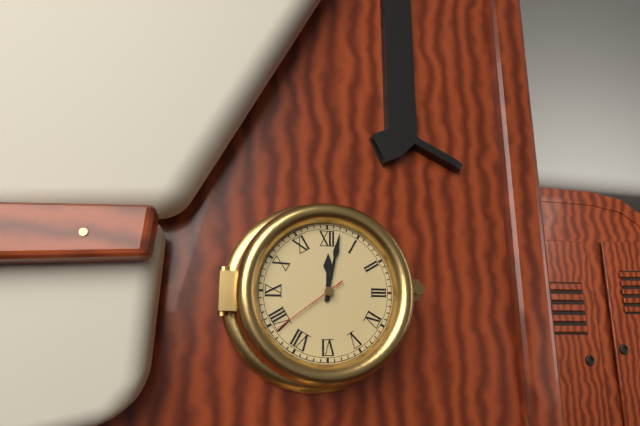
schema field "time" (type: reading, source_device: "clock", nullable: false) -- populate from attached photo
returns 12:02:39
